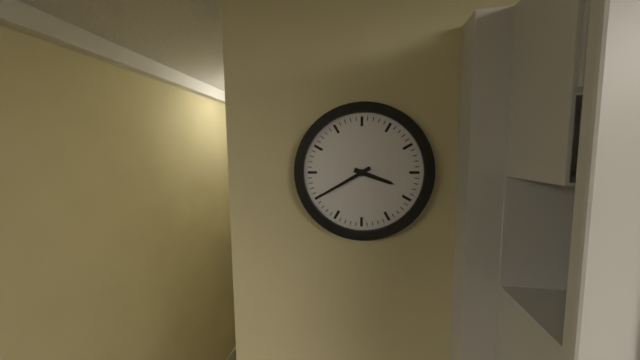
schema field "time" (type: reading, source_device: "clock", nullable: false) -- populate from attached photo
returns 3:40
